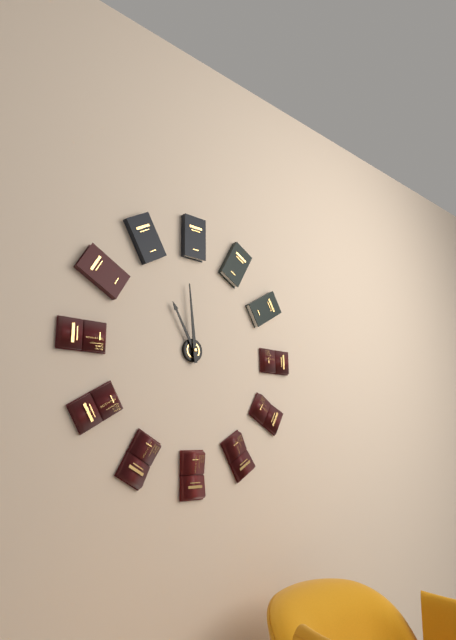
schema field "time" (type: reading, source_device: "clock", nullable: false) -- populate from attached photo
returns 10:59
